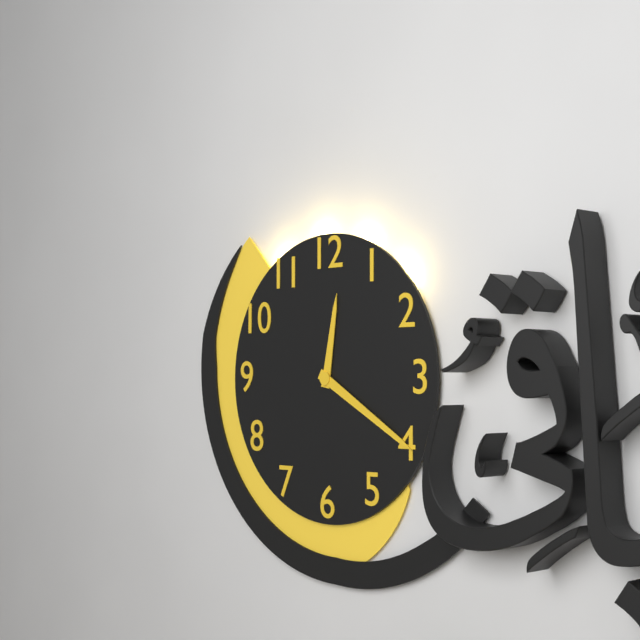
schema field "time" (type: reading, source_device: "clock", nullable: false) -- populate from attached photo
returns 12:20
